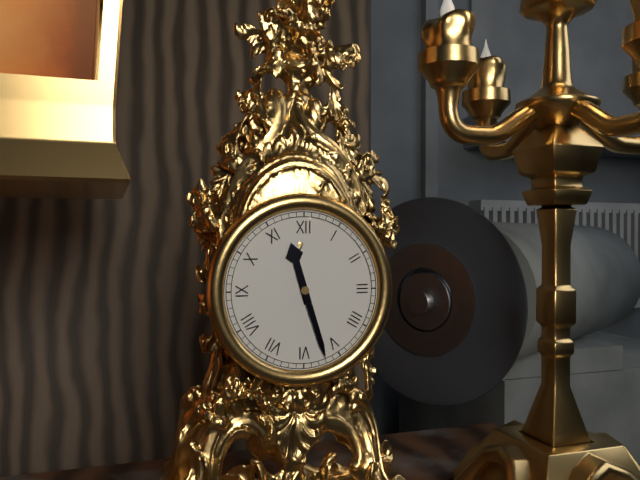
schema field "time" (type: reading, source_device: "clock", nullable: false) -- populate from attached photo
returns 11:27
